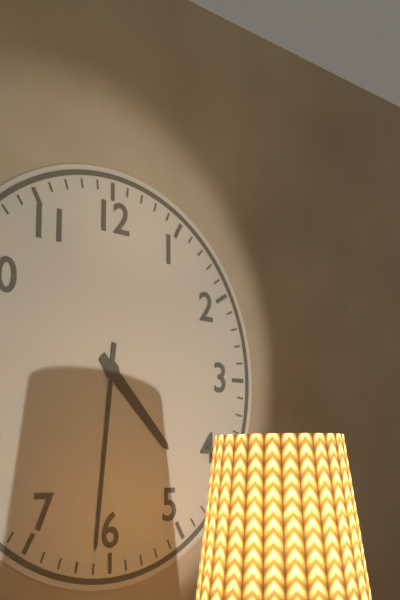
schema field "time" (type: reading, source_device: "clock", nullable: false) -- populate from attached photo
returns 4:31
